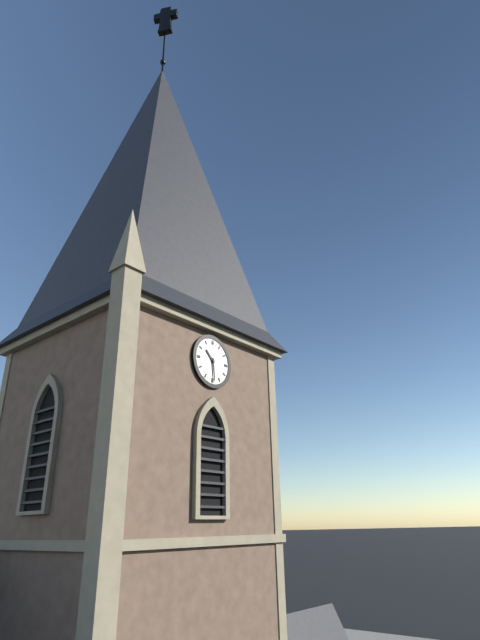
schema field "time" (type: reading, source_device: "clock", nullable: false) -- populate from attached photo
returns 10:29
